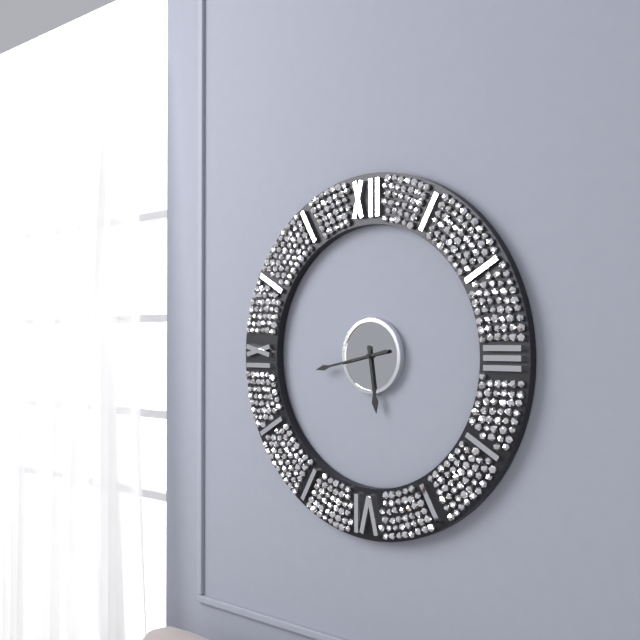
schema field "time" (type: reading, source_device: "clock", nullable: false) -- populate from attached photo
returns 5:43
